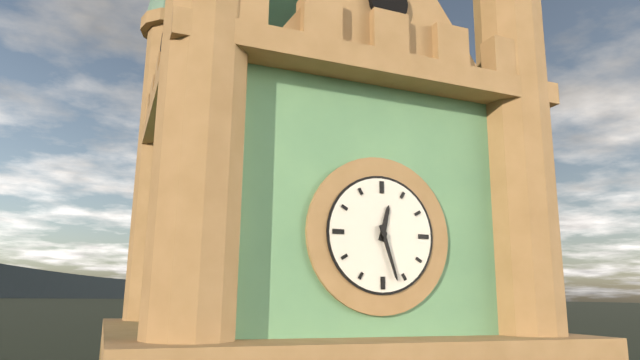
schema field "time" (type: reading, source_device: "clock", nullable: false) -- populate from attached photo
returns 12:27
